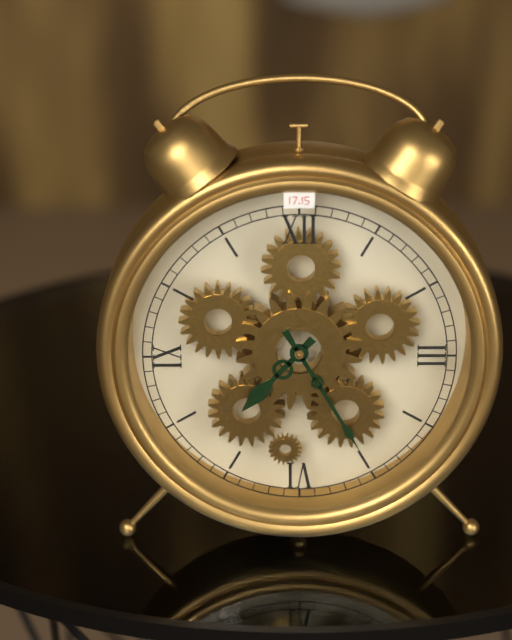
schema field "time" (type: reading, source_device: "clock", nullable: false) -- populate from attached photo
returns 7:25
